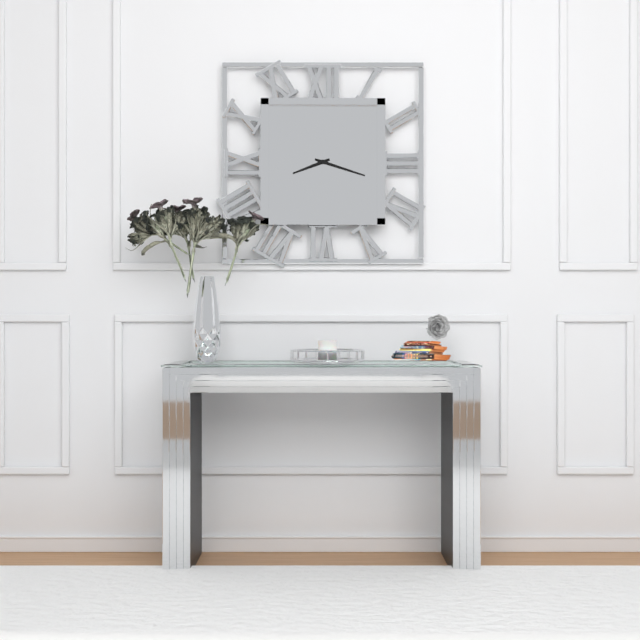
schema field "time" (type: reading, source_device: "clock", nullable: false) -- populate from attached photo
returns 8:18
